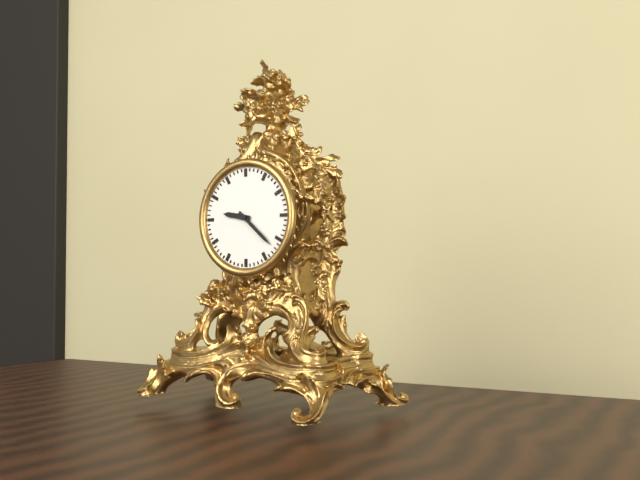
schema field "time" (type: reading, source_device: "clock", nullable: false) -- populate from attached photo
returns 9:22
